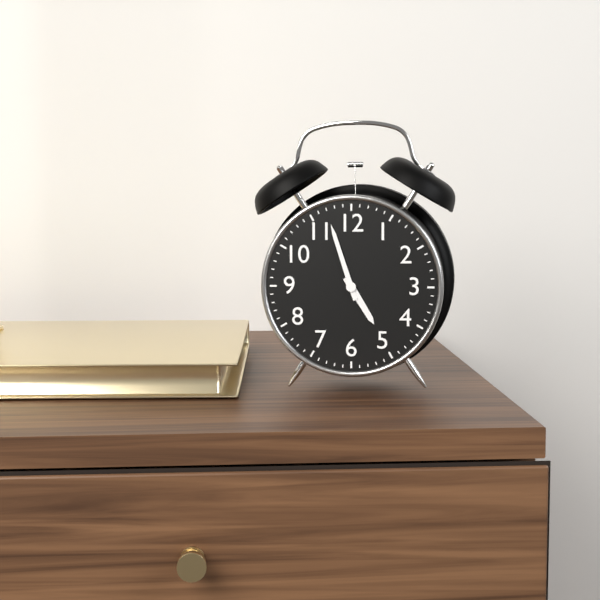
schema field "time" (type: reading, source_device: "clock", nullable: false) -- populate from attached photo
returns 4:57
